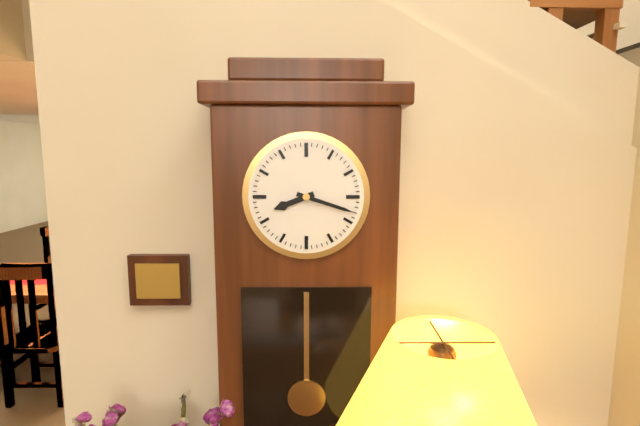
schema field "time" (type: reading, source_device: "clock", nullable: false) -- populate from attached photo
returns 8:18
